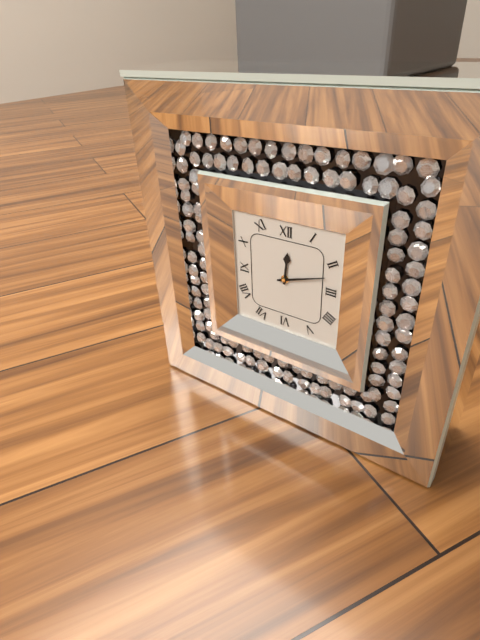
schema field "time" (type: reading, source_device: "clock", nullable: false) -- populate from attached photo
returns 12:12
